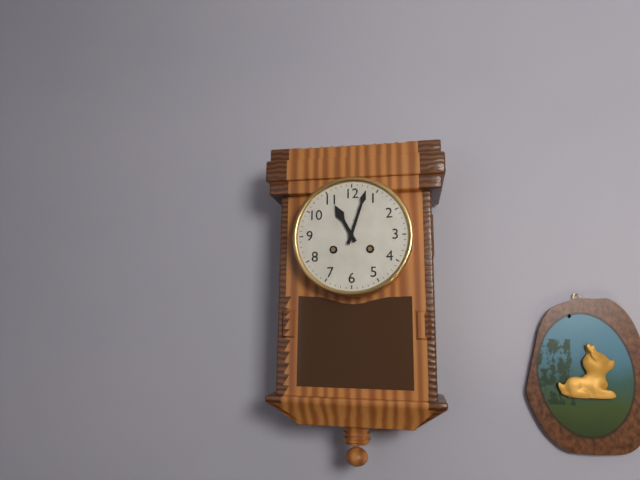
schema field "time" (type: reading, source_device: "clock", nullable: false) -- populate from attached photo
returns 11:03
